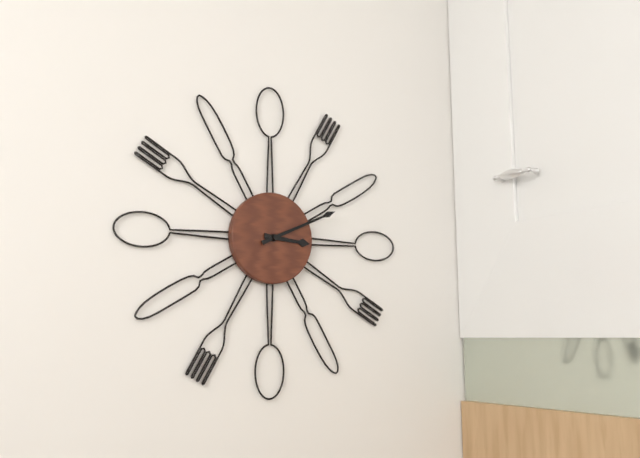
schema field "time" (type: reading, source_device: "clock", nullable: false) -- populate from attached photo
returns 3:11
